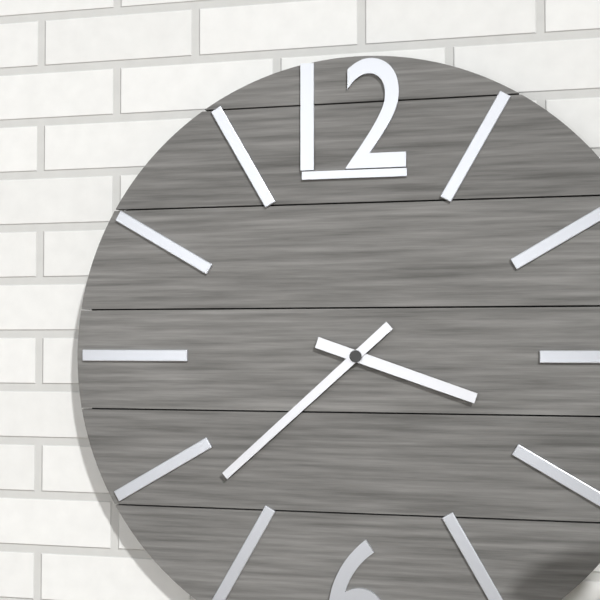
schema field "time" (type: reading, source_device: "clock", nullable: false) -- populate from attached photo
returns 3:38
